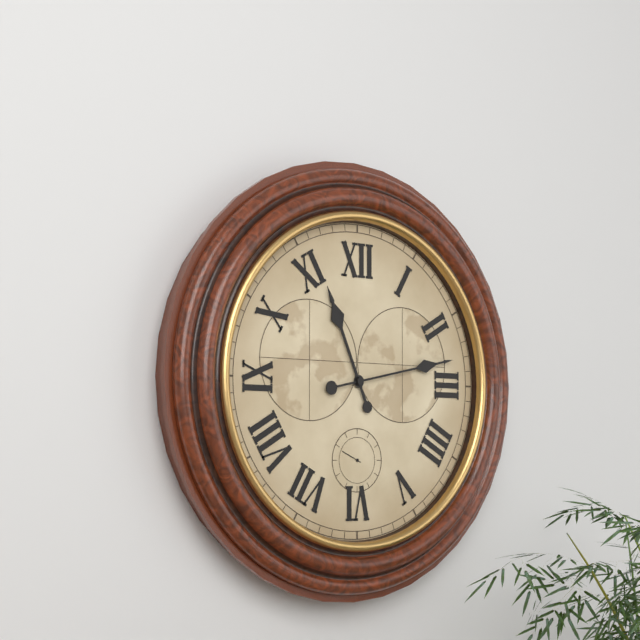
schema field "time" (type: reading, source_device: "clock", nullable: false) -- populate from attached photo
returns 11:13
